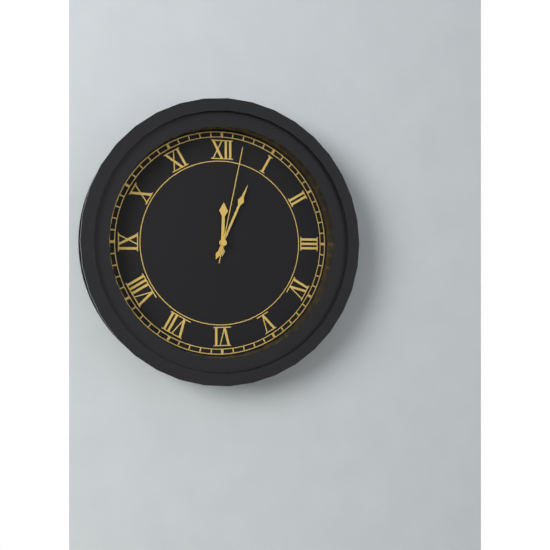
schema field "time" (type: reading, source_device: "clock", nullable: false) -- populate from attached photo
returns 12:04:02
